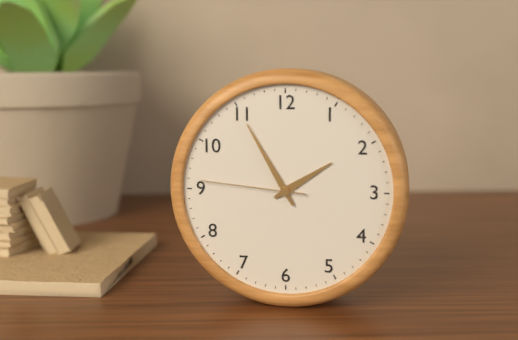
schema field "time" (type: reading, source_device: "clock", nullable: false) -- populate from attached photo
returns 1:55:46
